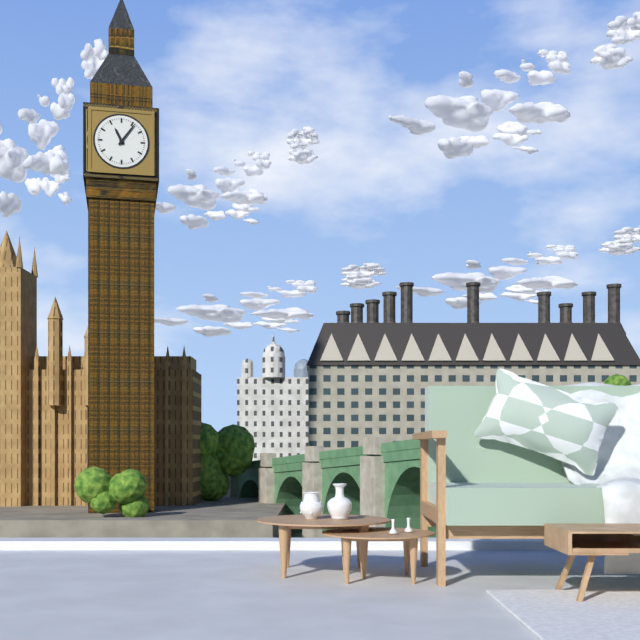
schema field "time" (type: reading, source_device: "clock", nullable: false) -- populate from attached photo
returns 11:06
